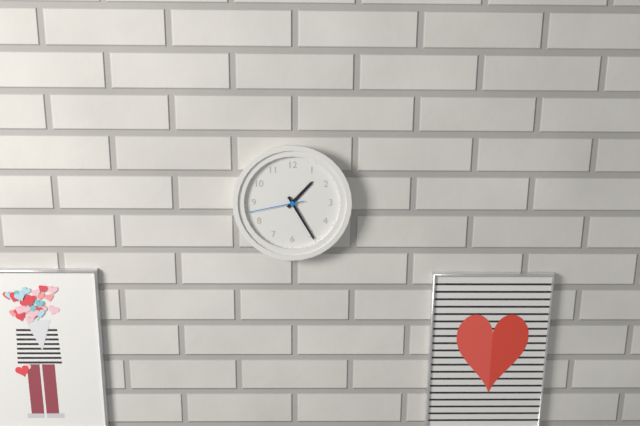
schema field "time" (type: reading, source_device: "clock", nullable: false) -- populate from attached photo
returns 1:25:43
